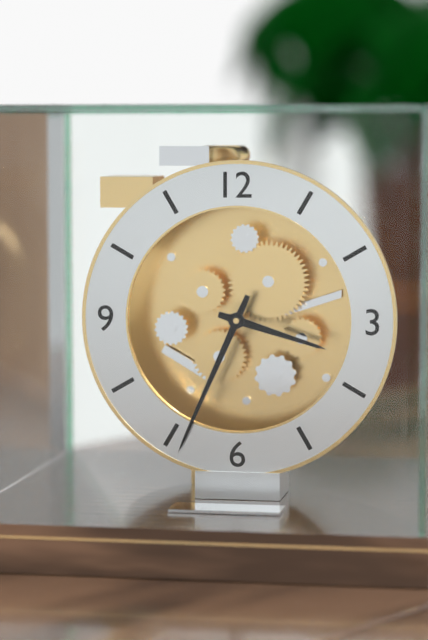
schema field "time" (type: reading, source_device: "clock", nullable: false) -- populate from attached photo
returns 3:34
